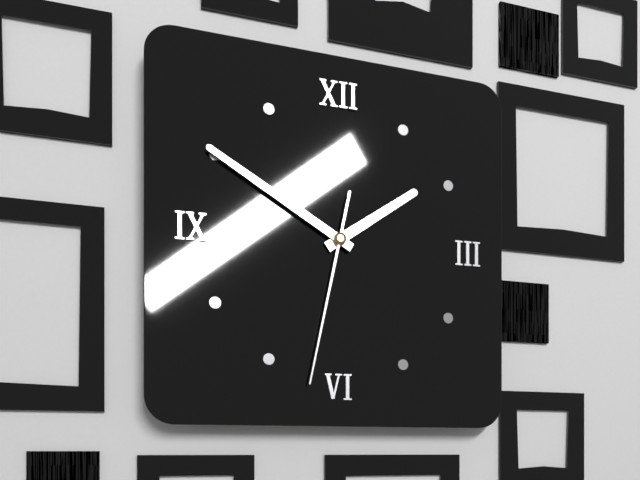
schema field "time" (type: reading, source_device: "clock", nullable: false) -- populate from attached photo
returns 1:50:32
